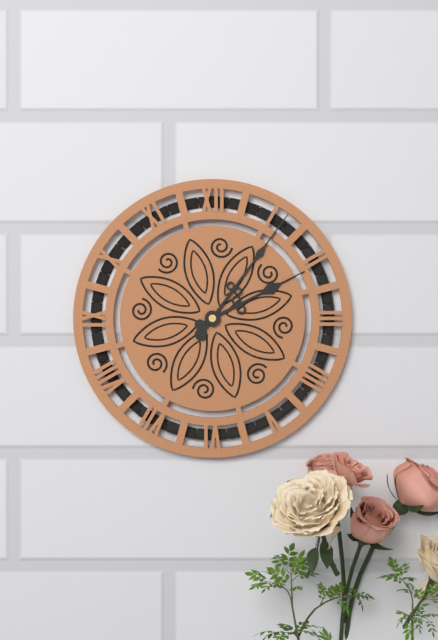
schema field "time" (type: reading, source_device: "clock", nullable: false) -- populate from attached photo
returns 2:06
